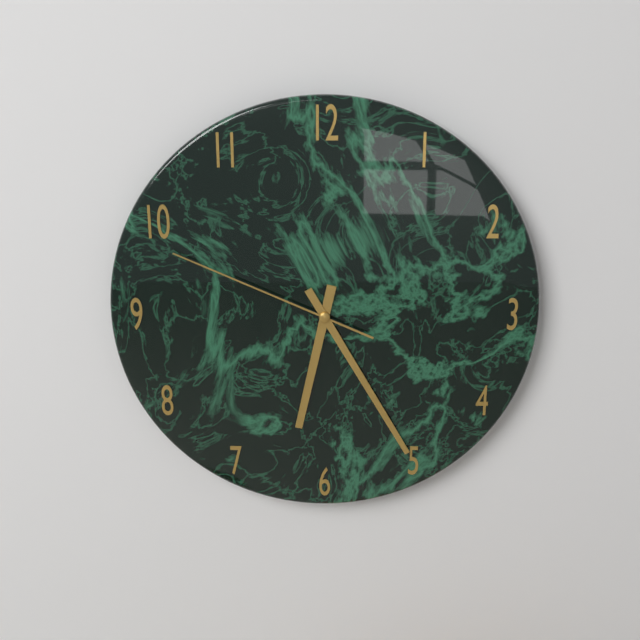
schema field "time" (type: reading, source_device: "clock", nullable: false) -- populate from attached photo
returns 6:25:49
